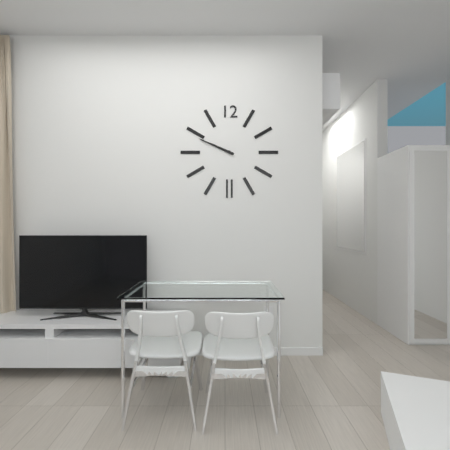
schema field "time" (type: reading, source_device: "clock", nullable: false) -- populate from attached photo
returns 9:49
